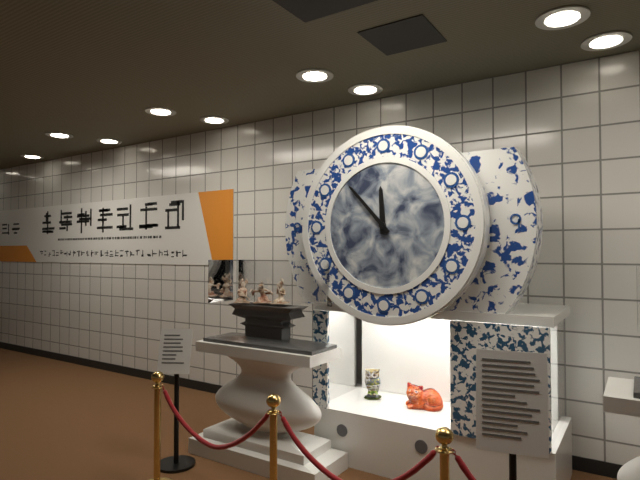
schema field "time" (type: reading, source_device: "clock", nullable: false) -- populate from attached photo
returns 11:53
